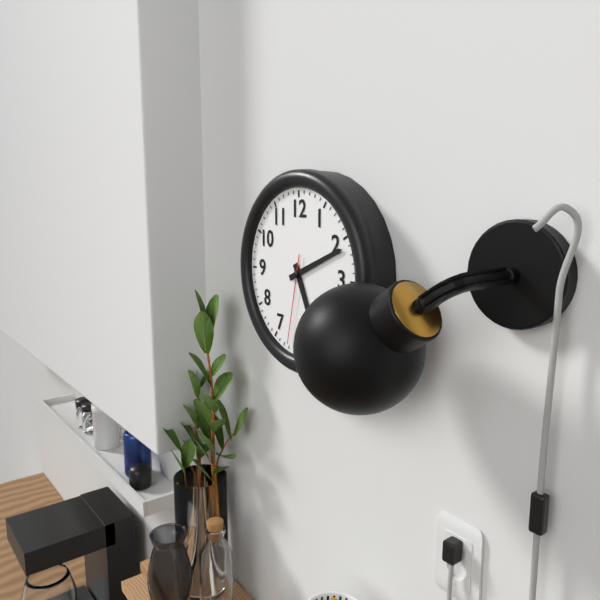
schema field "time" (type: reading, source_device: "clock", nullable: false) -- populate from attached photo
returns 5:11:32
